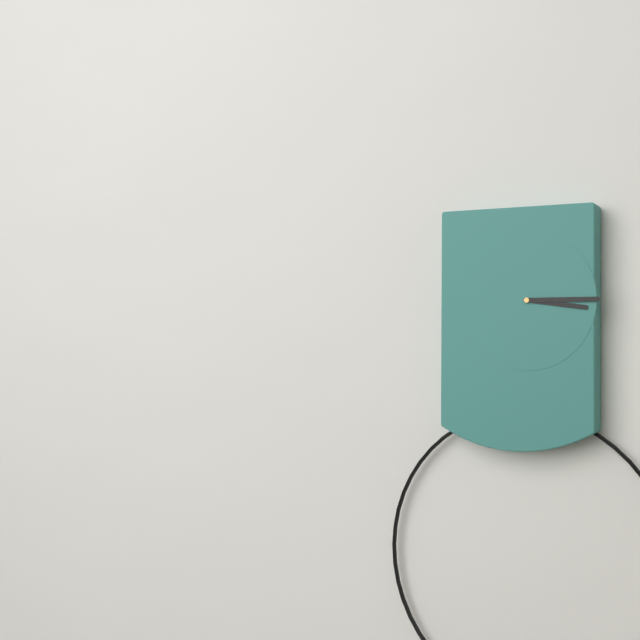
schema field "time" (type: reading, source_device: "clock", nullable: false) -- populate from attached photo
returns 3:15
